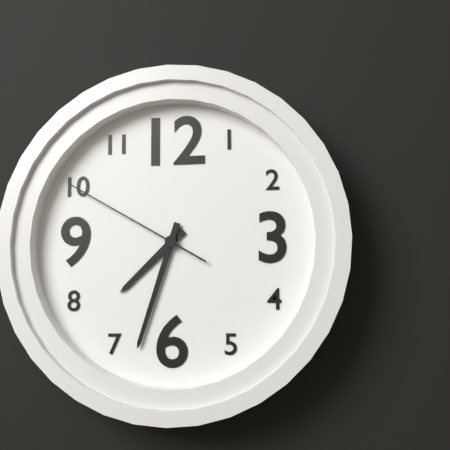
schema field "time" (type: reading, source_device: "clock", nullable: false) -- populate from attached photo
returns 7:33:50
